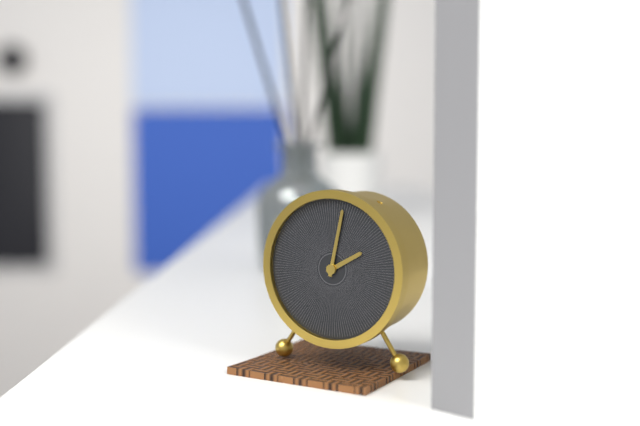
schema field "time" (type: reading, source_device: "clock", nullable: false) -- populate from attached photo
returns 2:02
